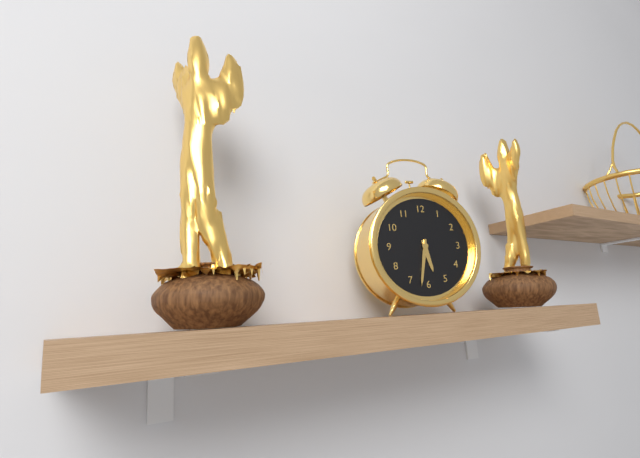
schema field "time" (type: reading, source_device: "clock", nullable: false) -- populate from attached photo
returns 5:32
